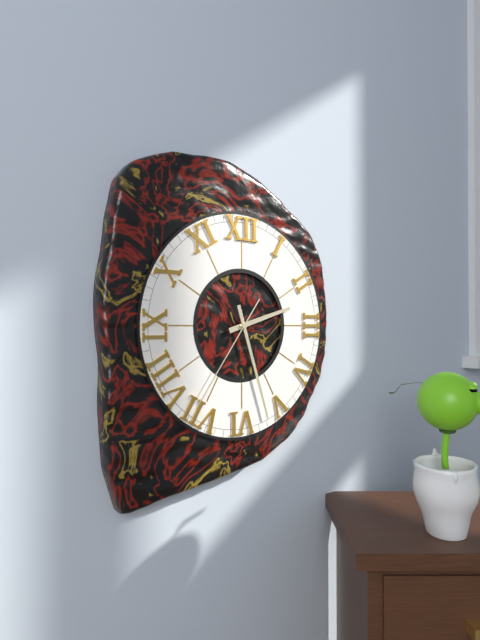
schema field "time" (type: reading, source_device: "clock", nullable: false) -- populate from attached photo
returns 2:27:36
